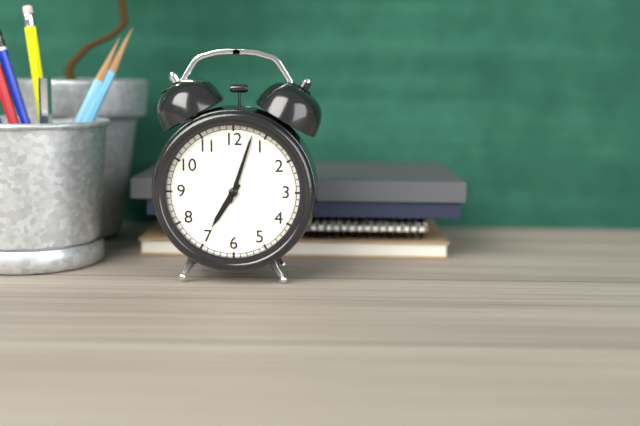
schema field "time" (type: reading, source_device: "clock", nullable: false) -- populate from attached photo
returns 7:03
